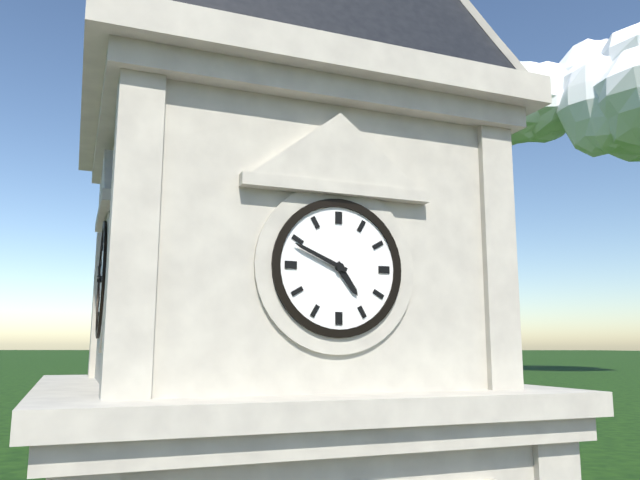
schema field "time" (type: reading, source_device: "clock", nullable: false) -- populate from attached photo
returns 4:49
